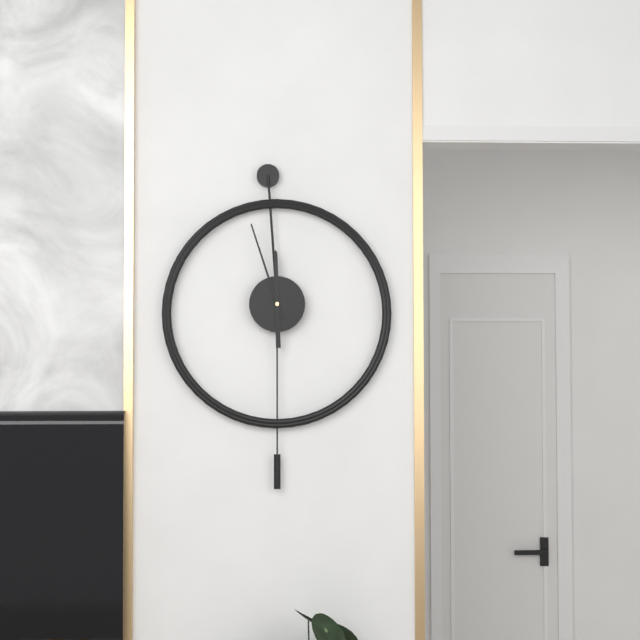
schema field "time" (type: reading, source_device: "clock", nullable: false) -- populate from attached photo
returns 11:57
